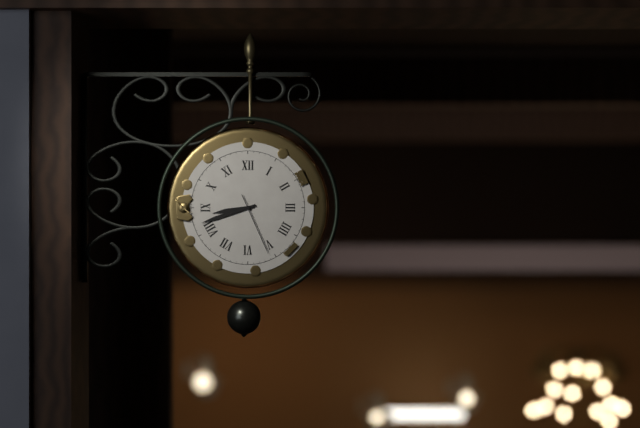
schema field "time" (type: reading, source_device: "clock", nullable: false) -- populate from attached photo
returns 8:42:26
